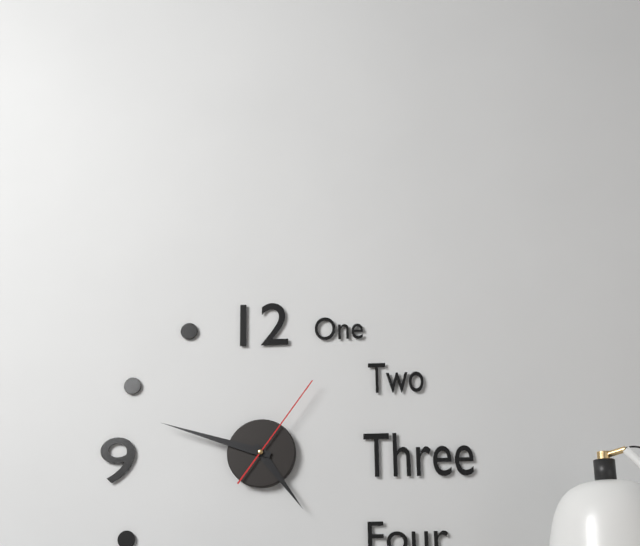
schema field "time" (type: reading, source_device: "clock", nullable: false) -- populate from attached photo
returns 4:48:06
